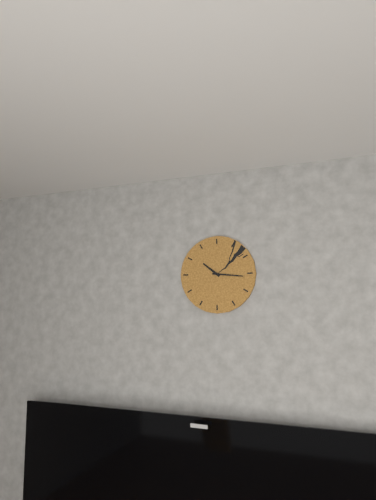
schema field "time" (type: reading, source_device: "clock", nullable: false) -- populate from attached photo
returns 10:16
